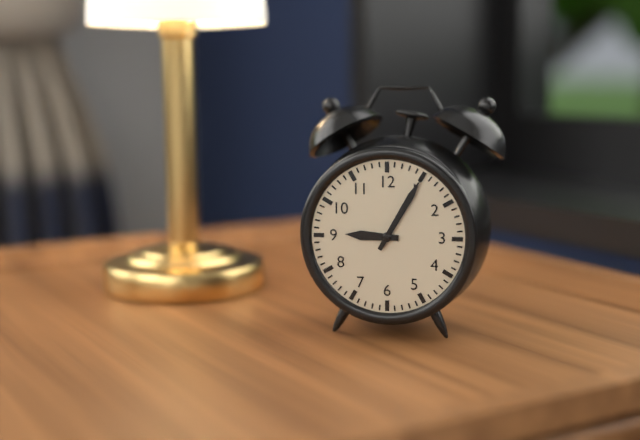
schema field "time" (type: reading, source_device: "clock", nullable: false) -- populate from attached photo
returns 9:05
